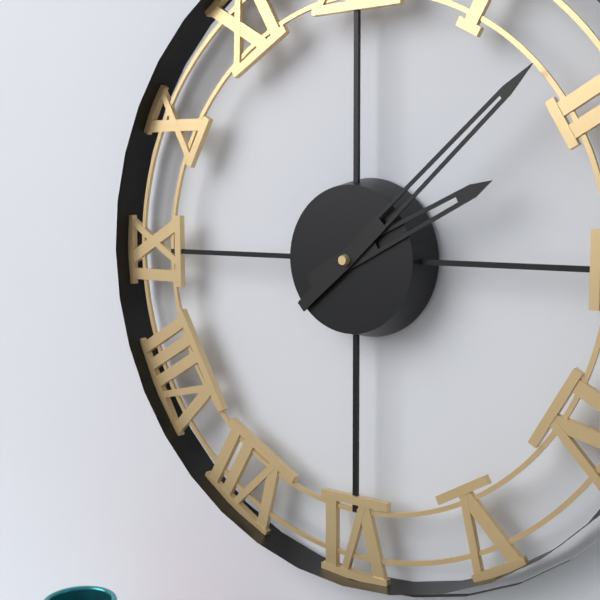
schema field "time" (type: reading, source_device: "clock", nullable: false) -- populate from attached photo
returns 2:08
